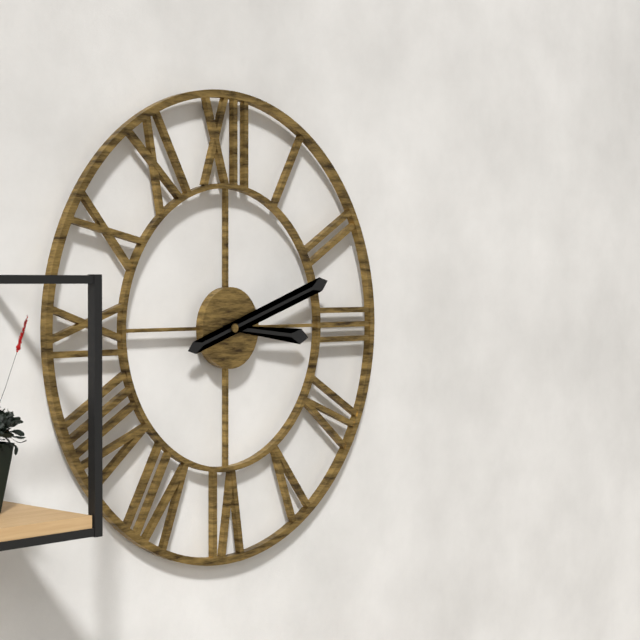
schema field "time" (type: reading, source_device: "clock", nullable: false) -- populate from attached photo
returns 3:12
